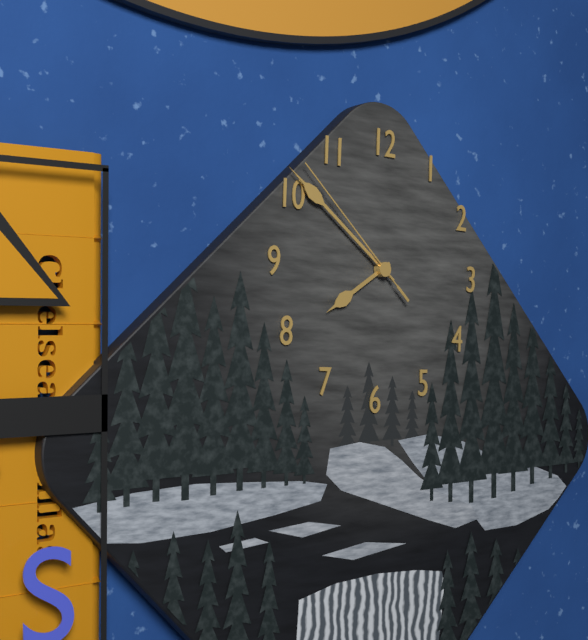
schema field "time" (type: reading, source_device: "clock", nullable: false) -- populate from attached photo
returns 7:51:52
